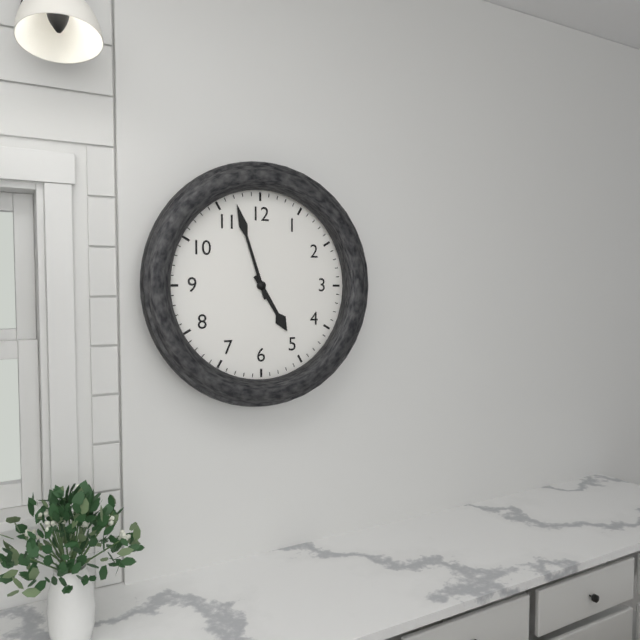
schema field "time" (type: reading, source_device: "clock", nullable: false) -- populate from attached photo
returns 4:57
